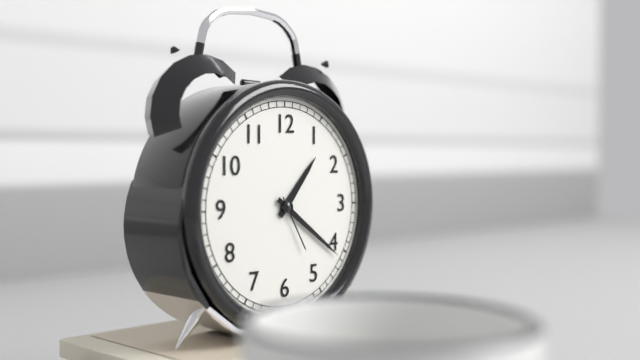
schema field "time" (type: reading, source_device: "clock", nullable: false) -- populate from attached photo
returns 1:21:25
